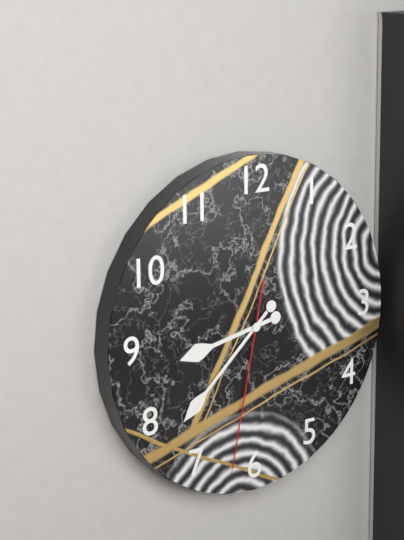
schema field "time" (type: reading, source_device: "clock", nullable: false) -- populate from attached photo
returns 8:38:32
